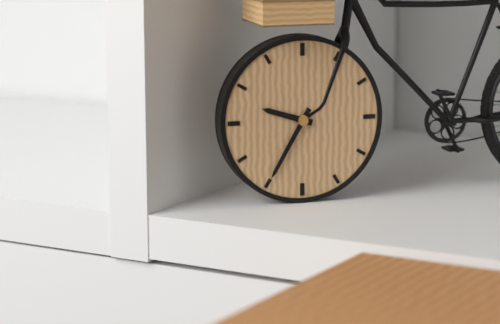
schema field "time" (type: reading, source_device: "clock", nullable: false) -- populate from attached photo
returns 9:35
